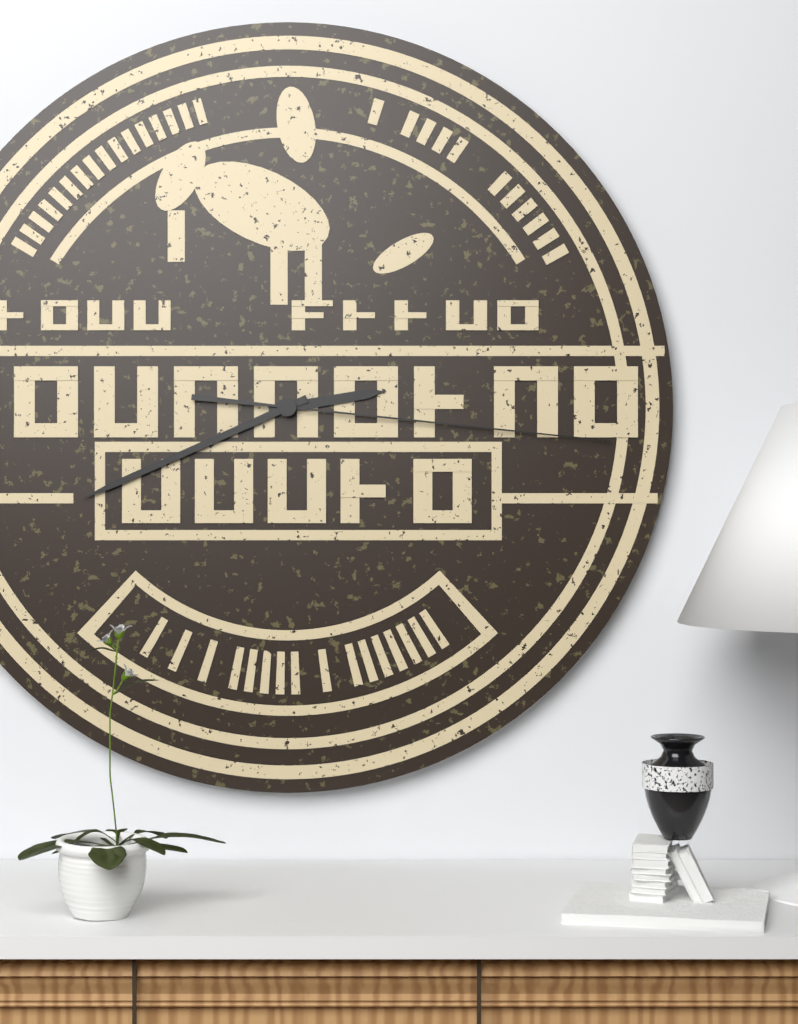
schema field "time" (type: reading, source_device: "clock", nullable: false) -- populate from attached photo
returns 2:41:16
